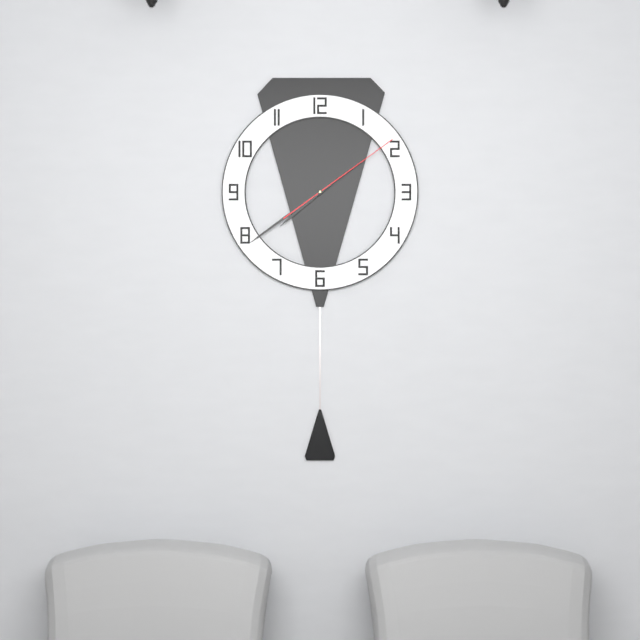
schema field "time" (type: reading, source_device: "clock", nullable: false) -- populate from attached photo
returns 7:39:09
